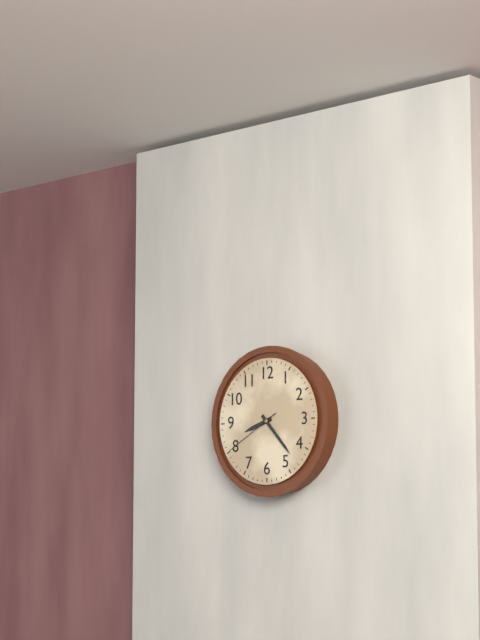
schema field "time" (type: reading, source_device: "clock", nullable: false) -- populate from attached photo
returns 8:23:40
